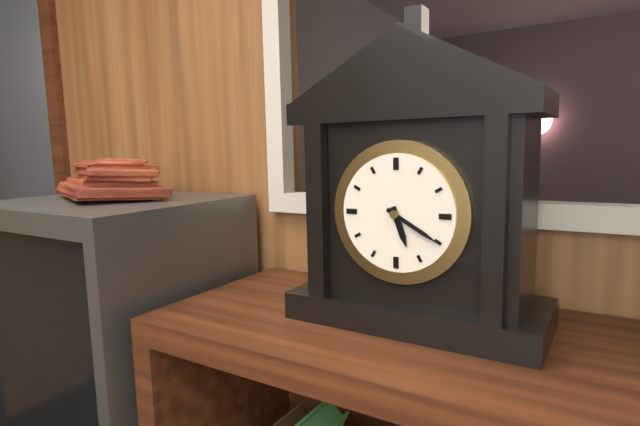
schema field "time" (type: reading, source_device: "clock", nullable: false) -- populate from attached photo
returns 5:20
